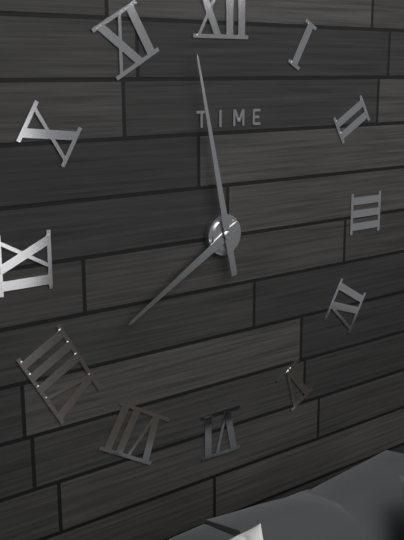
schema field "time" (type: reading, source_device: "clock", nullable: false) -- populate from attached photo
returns 7:58
